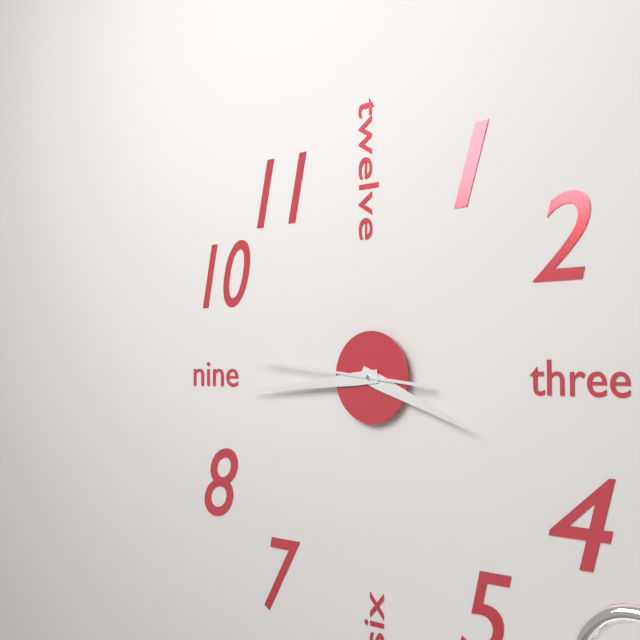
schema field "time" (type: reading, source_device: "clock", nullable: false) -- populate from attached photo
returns 3:44:46
